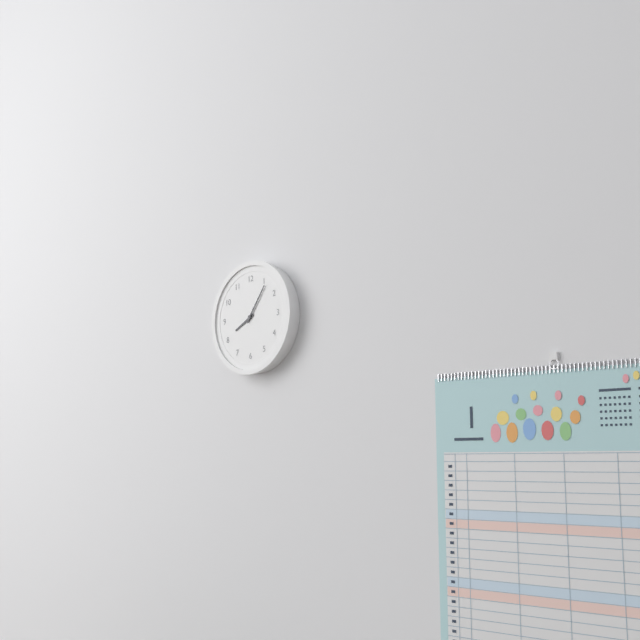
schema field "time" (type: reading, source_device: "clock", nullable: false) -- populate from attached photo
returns 8:06
